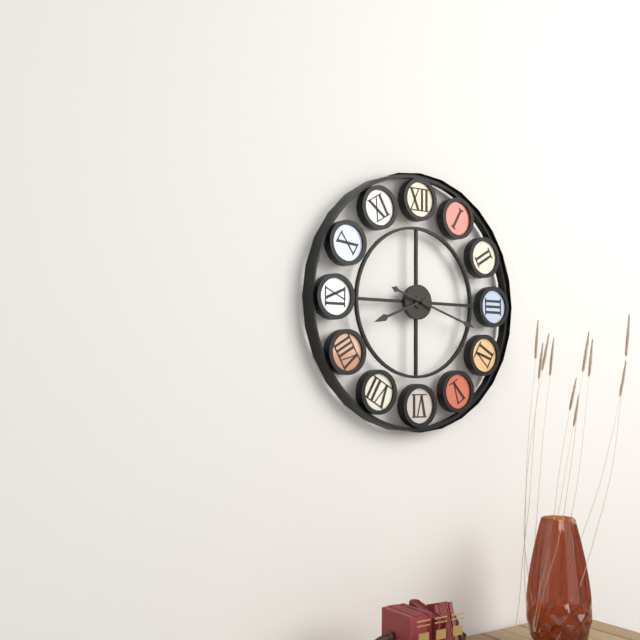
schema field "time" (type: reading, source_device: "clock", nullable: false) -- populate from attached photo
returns 8:18
